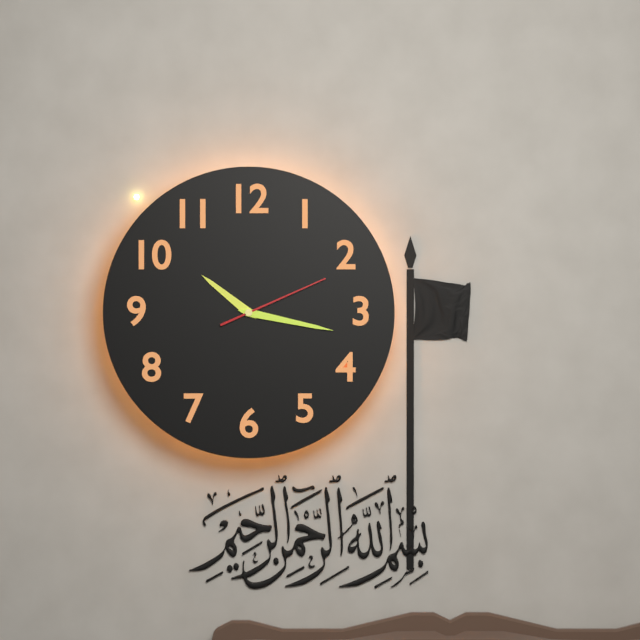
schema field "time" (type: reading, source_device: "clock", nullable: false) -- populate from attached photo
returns 10:17:11
